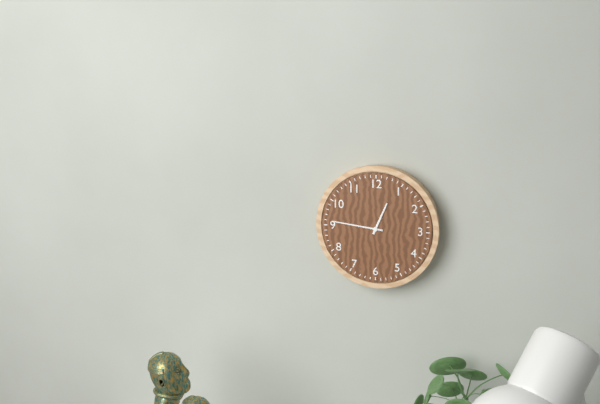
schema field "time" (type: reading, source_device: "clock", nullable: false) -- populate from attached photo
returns 12:46
